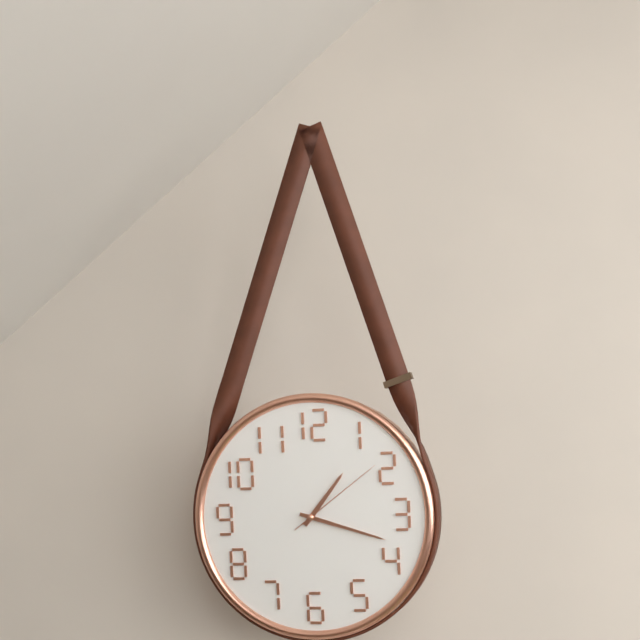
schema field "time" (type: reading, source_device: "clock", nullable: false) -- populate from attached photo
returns 1:18:09
